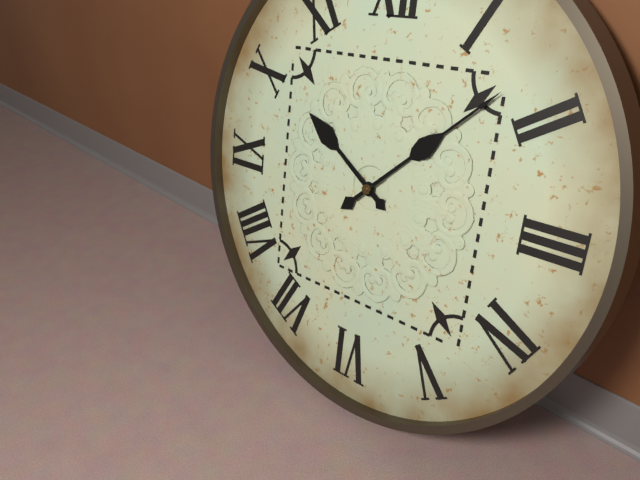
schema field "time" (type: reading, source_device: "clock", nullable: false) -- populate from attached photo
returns 10:08
